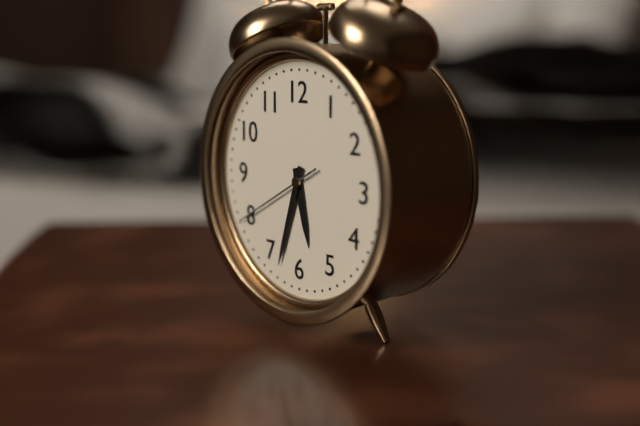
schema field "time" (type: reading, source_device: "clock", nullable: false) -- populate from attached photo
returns 5:33:40
